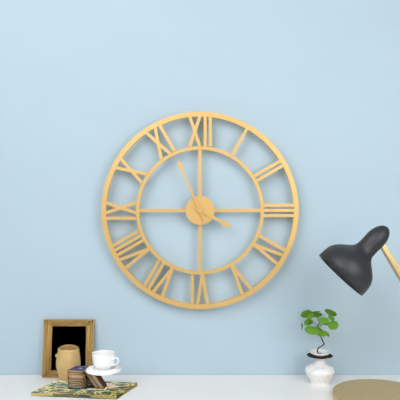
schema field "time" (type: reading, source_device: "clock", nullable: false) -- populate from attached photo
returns 3:56
